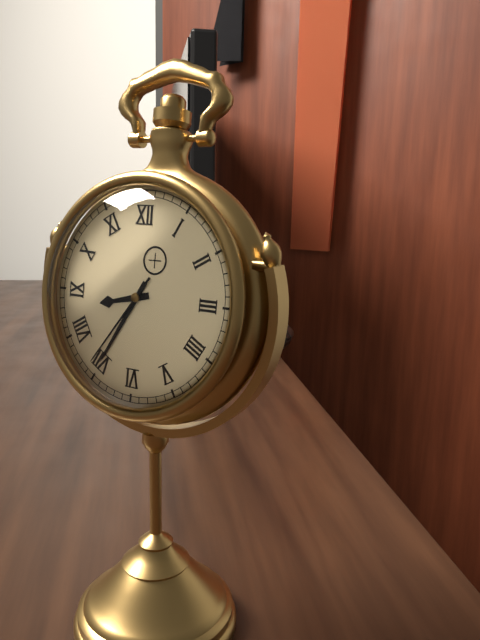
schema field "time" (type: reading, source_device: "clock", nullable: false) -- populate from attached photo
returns 8:35:36
